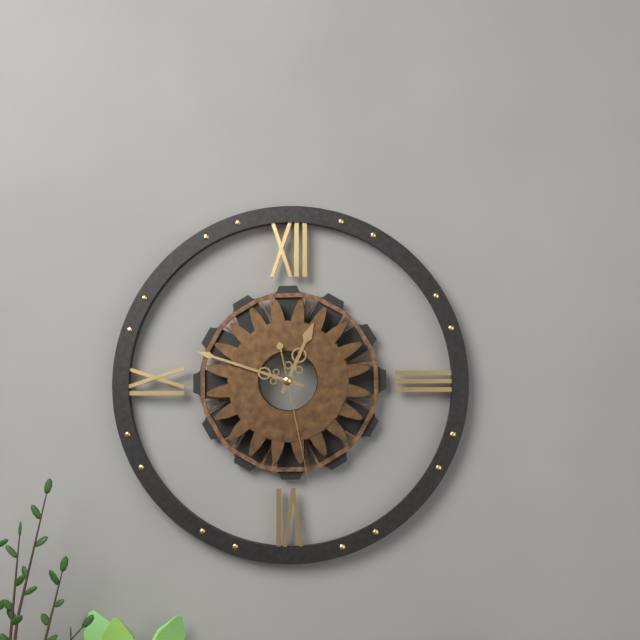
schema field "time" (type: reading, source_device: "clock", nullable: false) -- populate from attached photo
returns 12:48:28
